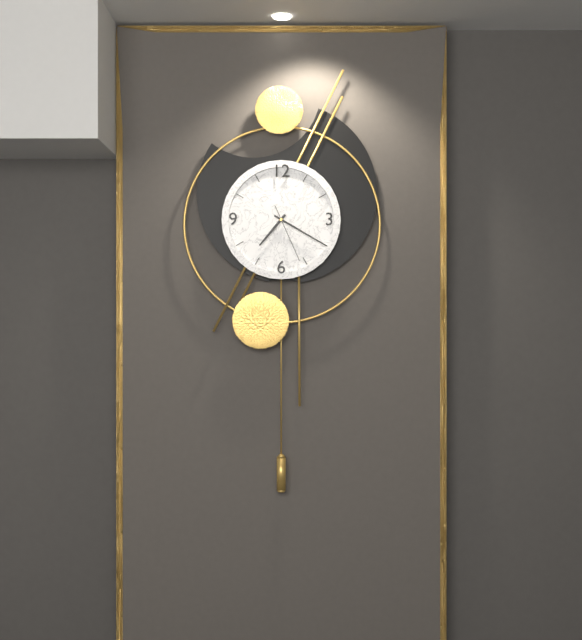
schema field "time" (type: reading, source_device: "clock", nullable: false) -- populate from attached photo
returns 7:20:26
